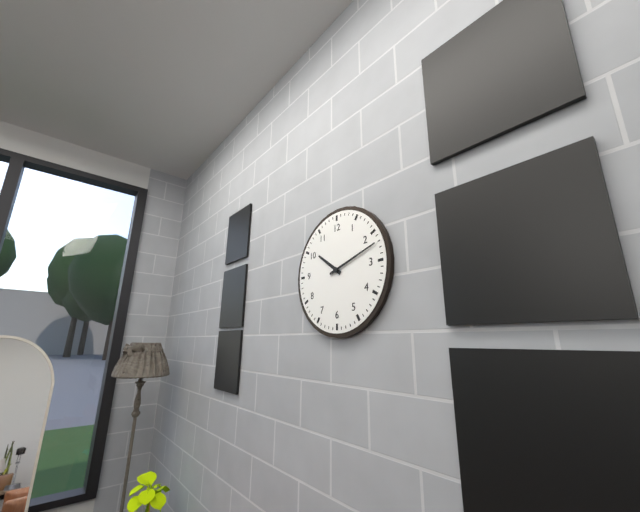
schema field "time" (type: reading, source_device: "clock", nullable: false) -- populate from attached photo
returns 10:12
